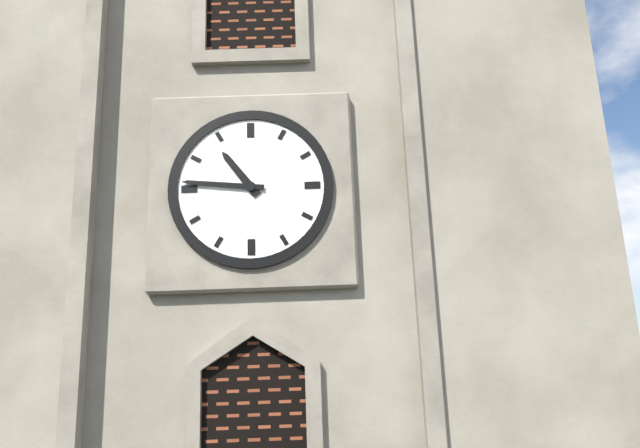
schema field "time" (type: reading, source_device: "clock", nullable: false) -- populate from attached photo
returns 10:46
